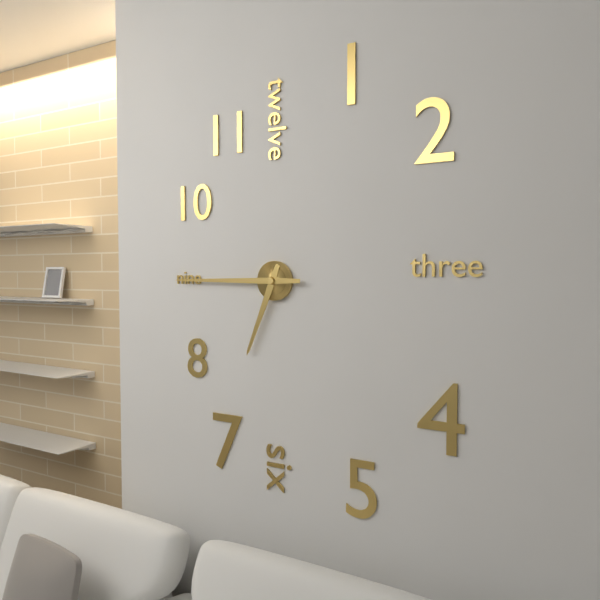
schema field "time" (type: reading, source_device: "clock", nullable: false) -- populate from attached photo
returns 6:45
